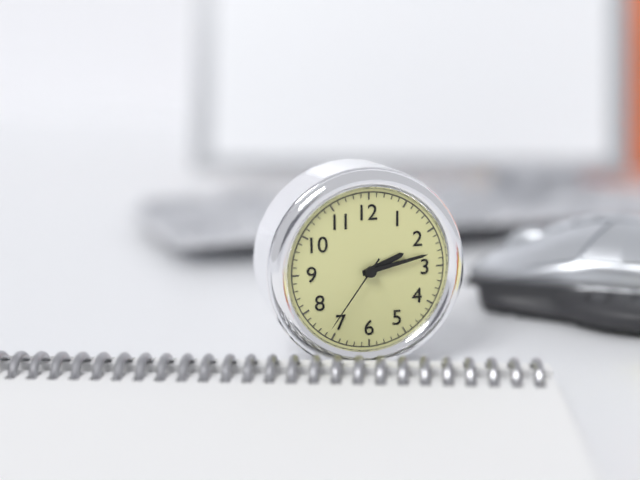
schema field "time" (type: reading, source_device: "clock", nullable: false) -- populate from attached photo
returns 2:13:36
